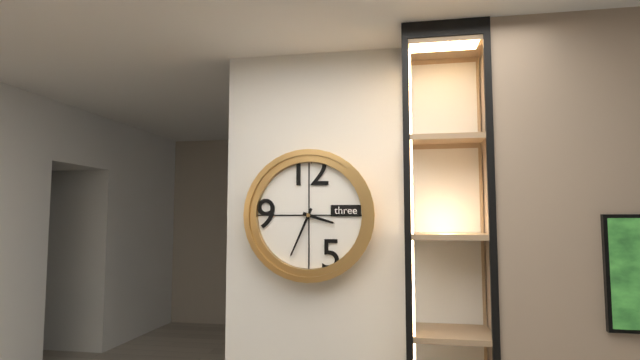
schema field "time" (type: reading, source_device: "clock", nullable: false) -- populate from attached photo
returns 3:34
